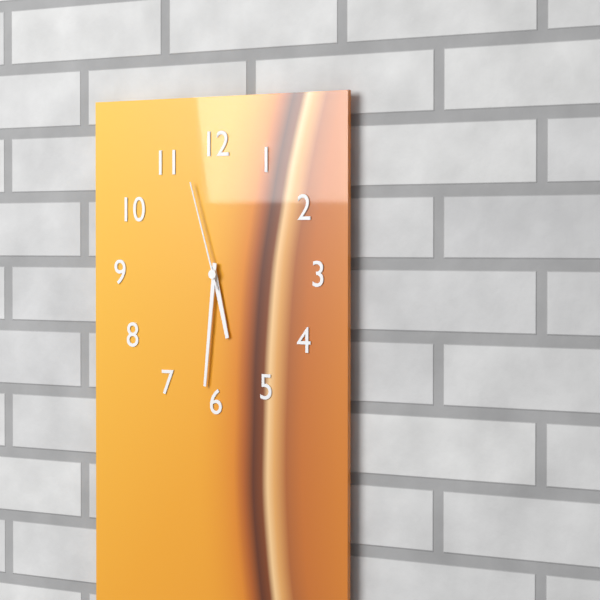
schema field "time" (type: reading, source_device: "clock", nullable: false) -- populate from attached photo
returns 5:31:57
